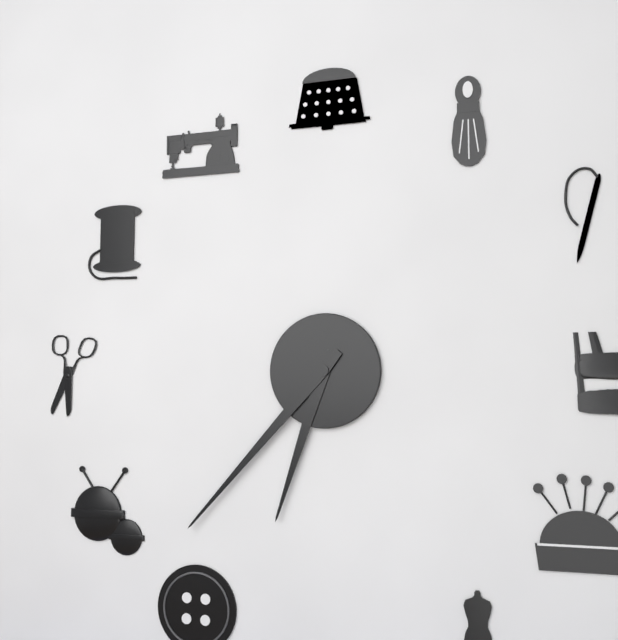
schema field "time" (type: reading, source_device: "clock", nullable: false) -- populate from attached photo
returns 6:37
